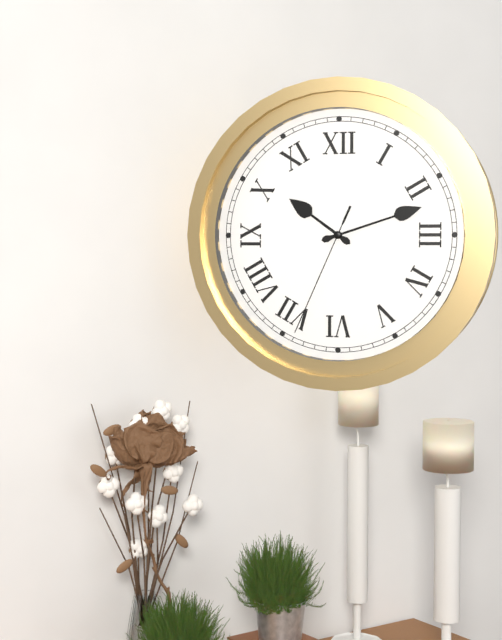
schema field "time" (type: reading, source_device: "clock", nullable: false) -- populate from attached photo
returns 10:12:34
